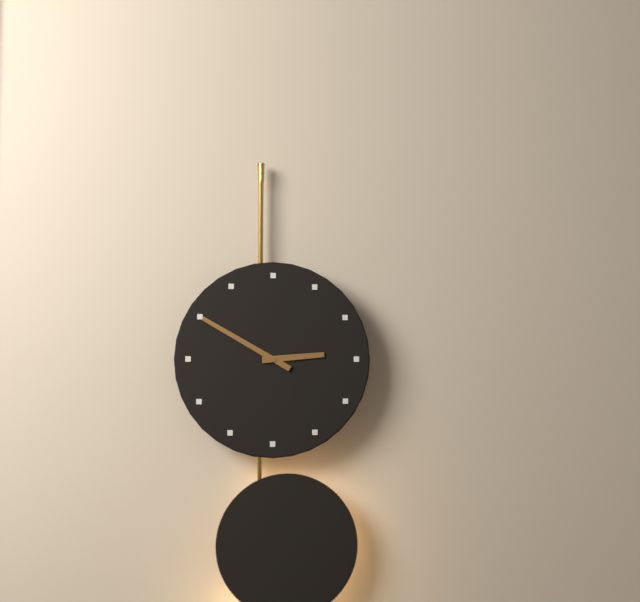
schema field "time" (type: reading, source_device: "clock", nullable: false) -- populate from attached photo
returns 2:50
